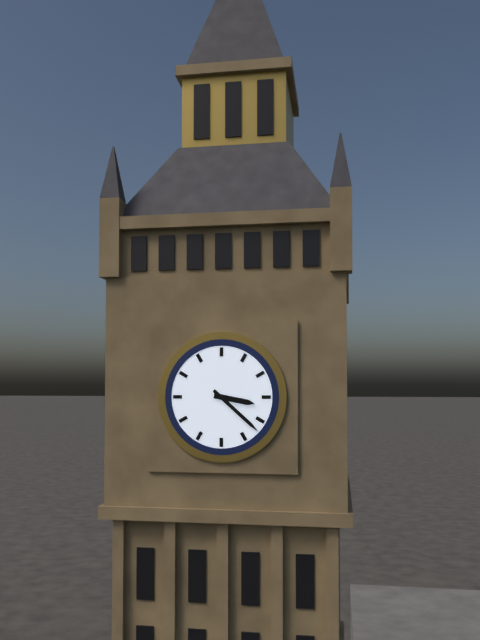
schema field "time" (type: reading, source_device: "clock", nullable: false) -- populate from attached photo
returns 3:22
